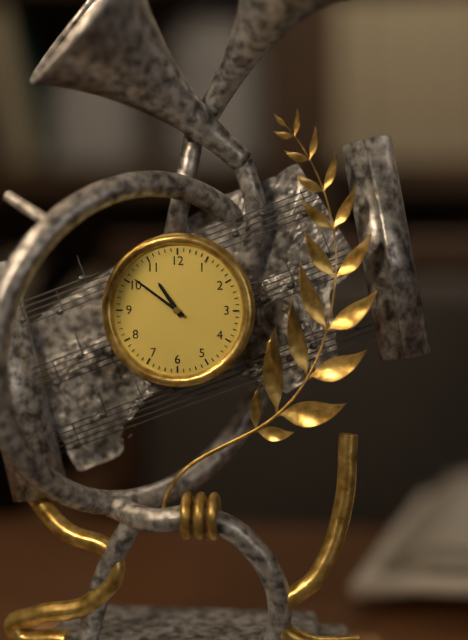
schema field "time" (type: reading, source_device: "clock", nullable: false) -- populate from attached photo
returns 10:51
